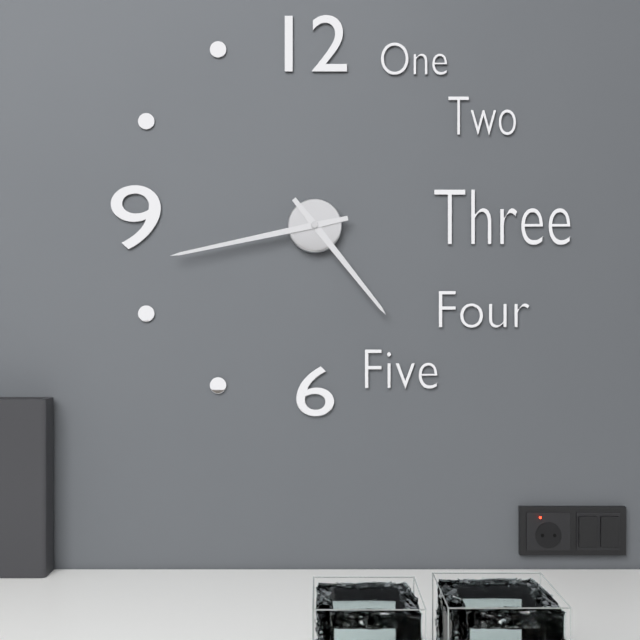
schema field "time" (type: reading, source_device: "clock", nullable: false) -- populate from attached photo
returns 4:43
